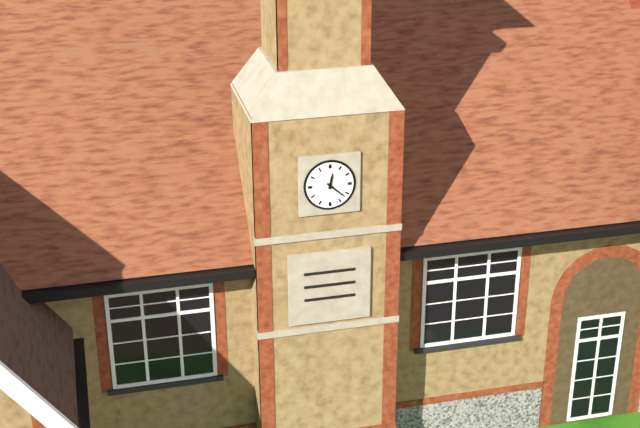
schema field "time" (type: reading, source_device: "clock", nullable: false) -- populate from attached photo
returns 12:22
